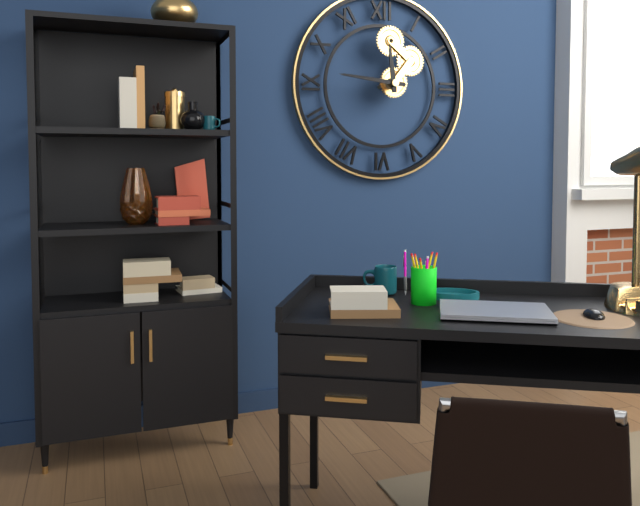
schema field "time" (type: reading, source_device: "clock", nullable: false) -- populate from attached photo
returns 11:46
